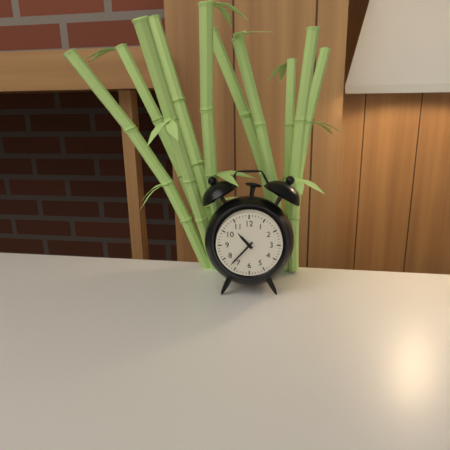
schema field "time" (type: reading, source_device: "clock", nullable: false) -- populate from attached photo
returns 10:37
